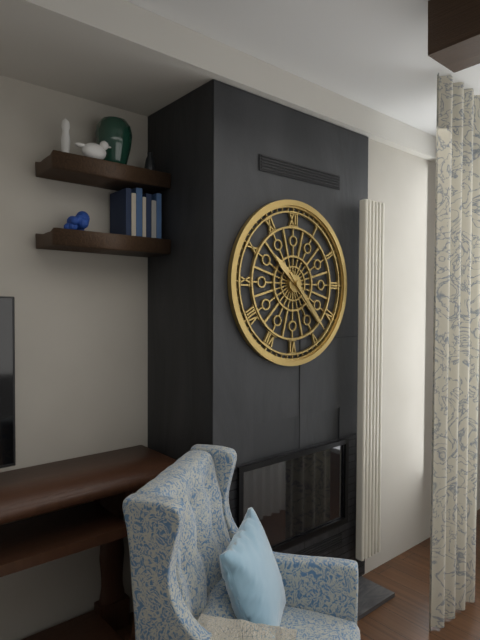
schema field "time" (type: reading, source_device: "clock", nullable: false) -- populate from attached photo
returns 10:23
